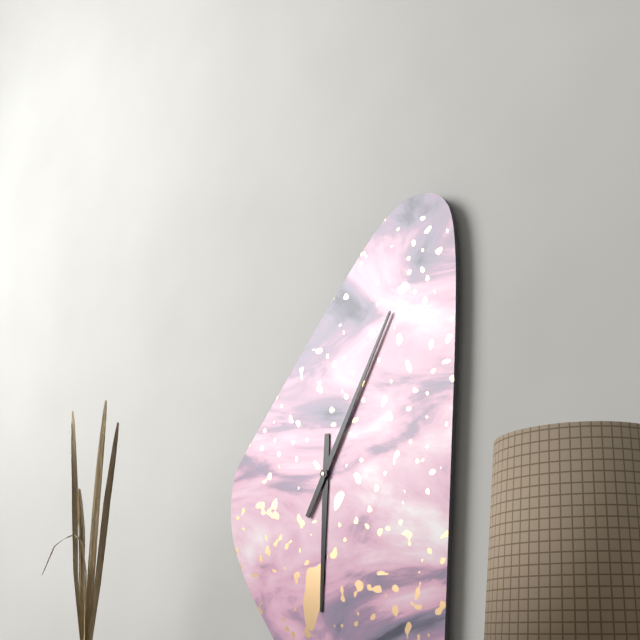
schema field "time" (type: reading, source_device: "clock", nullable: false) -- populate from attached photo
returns 6:05
